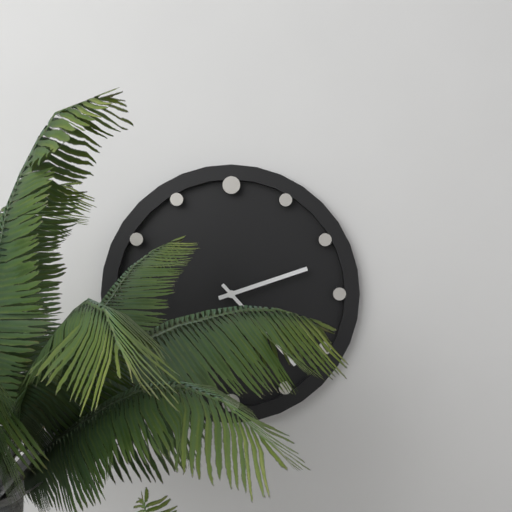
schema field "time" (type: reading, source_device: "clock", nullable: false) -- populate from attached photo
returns 2:23
